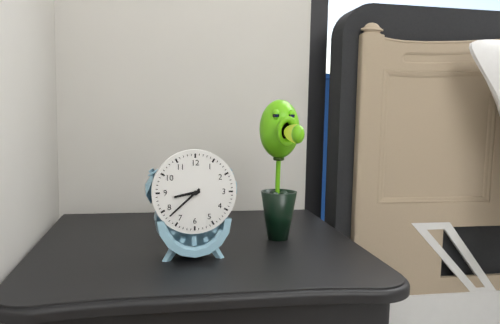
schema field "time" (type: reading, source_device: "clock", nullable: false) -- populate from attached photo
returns 8:38
